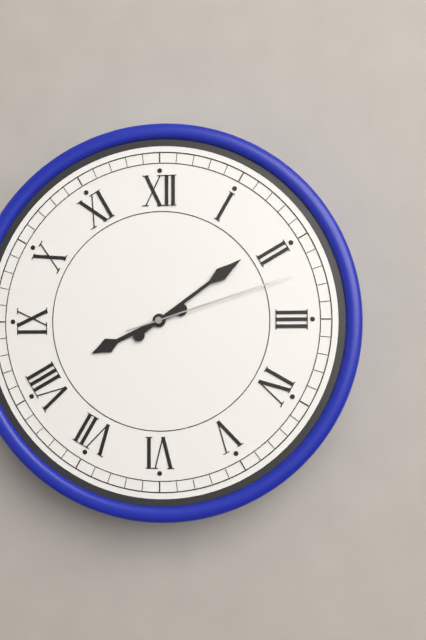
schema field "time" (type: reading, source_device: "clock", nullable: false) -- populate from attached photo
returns 8:09:12
